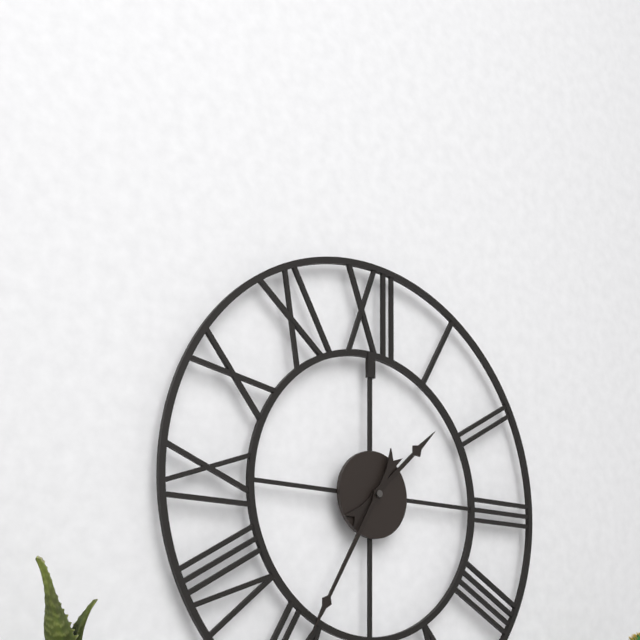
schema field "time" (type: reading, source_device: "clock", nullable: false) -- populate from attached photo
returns 1:35
